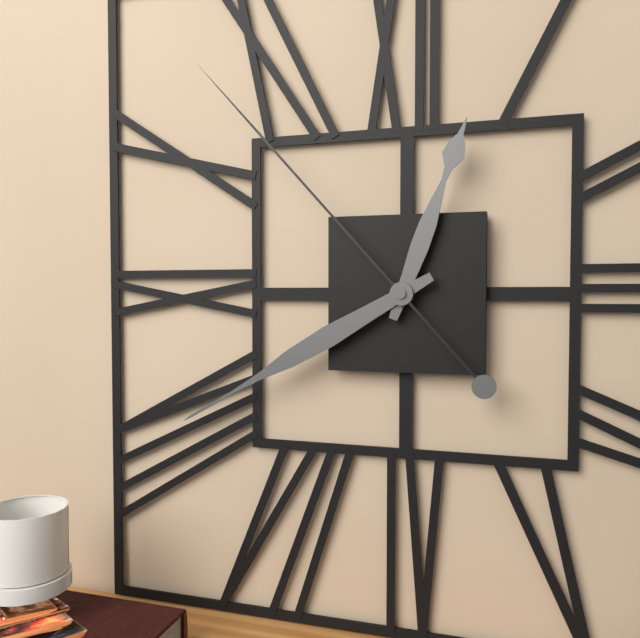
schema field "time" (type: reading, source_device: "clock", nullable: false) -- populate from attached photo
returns 12:40:53
